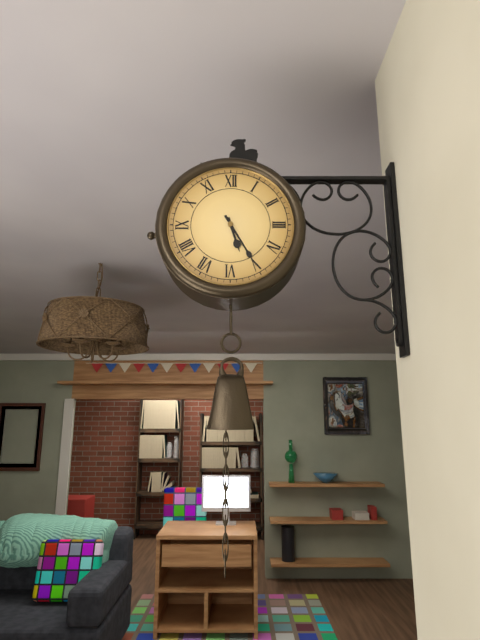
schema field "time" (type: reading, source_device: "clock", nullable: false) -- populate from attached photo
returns 5:25
